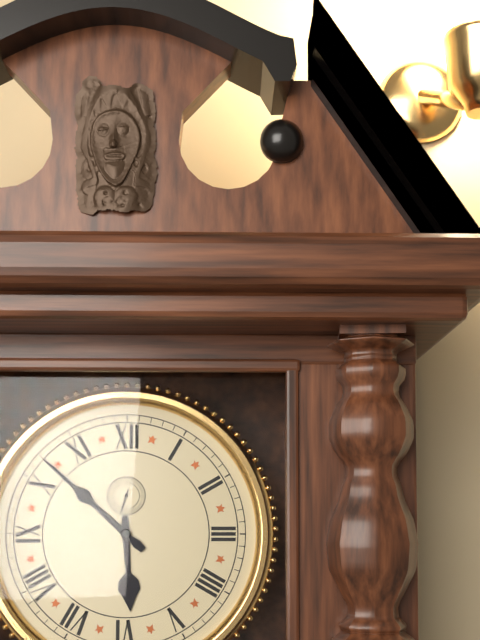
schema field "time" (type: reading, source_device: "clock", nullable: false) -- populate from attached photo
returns 5:52
